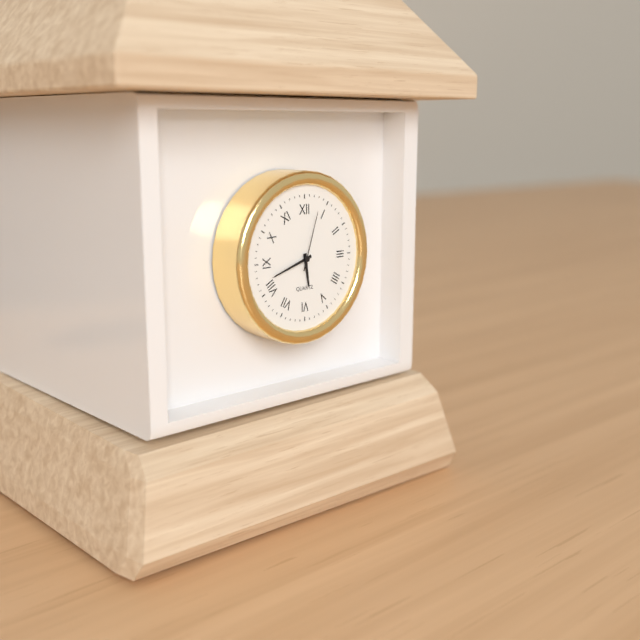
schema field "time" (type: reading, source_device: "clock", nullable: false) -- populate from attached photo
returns 5:42:03
